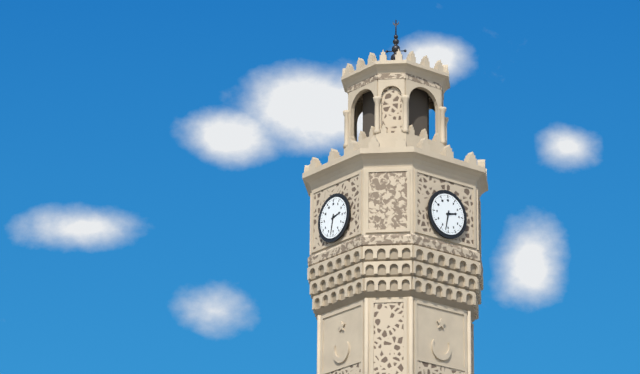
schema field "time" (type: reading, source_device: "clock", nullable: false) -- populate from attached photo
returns 2:32
